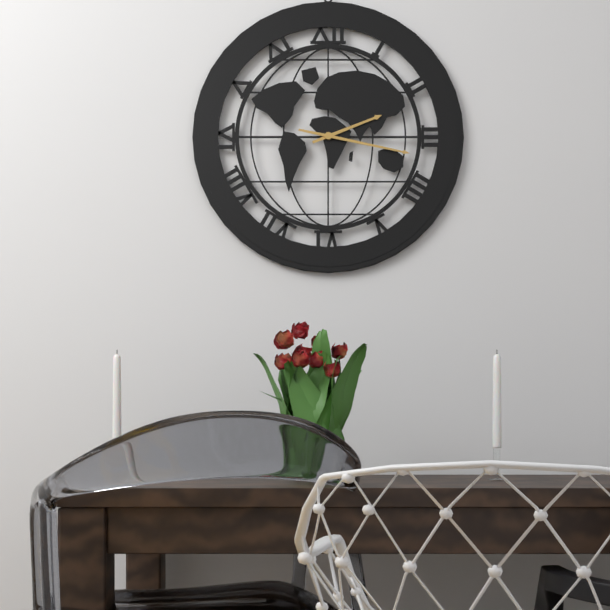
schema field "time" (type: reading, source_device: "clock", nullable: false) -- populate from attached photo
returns 2:17
